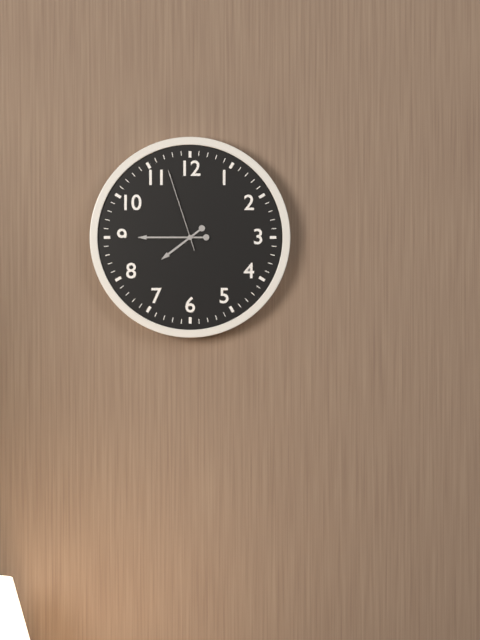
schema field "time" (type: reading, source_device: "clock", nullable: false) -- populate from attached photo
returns 7:45:57
